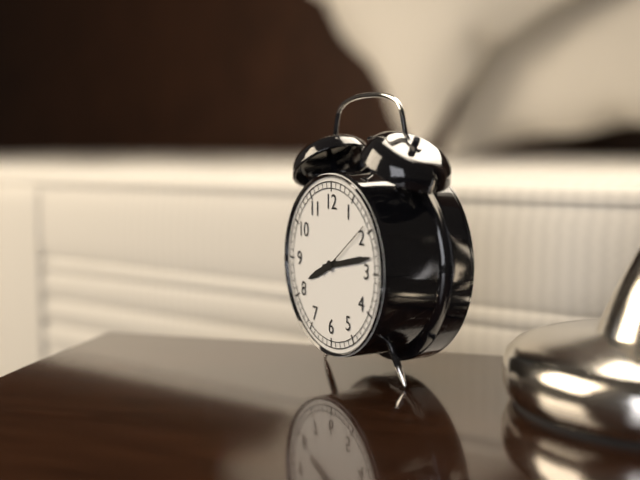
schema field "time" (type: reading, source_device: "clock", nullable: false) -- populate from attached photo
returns 8:13:09
